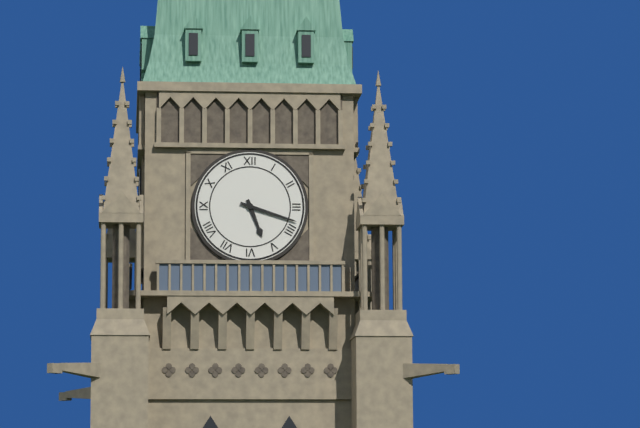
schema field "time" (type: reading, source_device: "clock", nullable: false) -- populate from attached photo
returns 5:18
